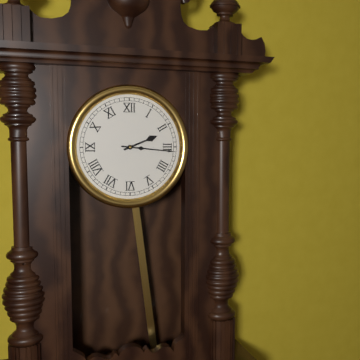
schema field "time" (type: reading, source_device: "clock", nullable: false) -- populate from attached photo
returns 2:16
